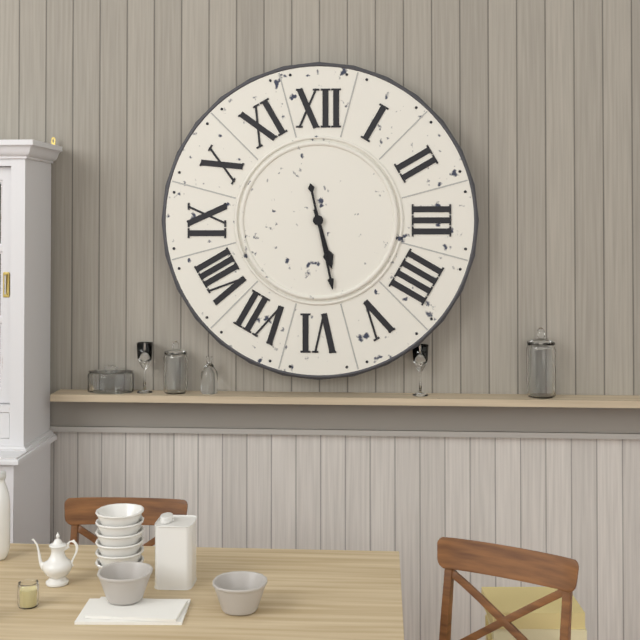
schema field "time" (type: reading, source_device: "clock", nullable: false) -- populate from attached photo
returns 5:28
